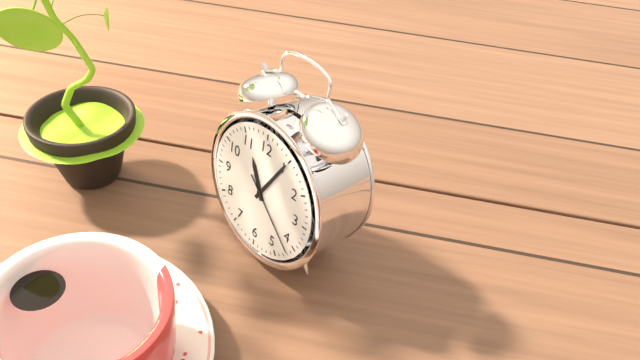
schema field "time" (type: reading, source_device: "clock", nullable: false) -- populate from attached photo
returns 11:05:22
